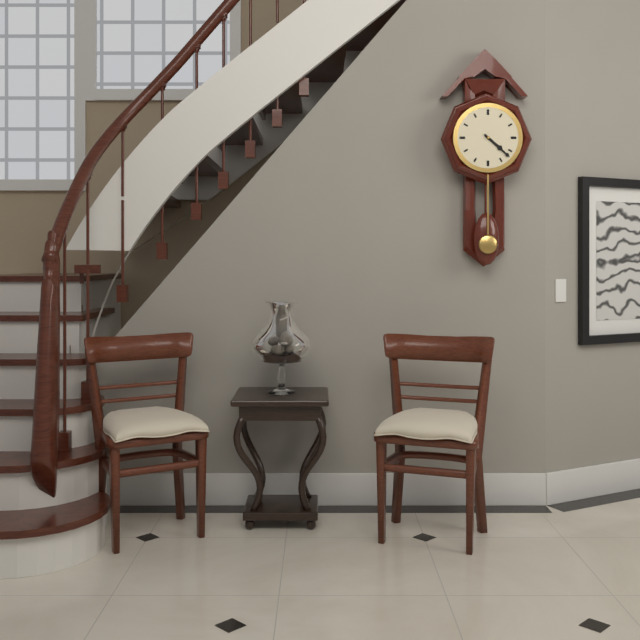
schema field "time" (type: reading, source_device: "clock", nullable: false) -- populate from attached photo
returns 4:22
